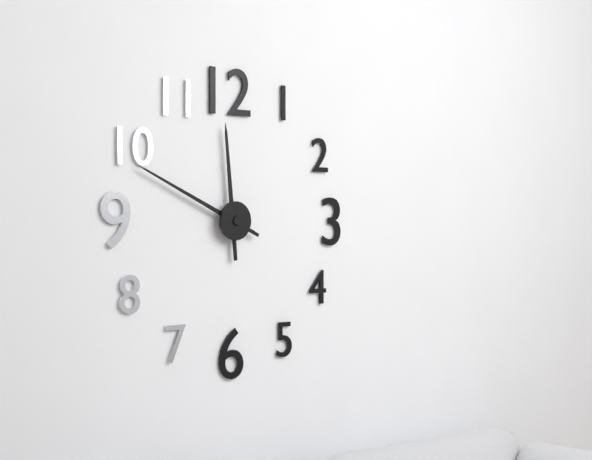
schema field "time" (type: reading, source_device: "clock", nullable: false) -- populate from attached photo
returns 11:49
